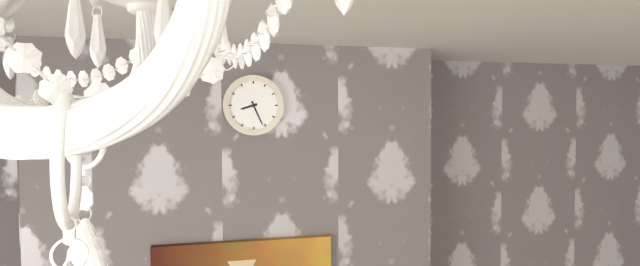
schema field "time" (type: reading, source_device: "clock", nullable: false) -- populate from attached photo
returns 8:26
